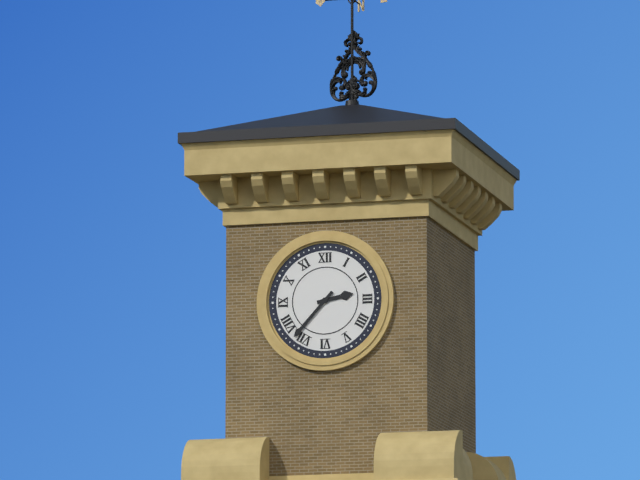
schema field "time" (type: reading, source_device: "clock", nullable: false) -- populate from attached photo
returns 2:37
